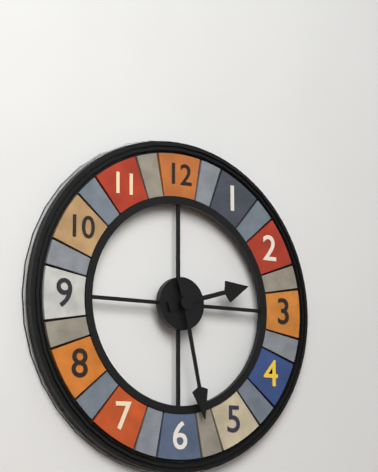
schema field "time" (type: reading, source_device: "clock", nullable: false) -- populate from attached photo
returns 2:28
